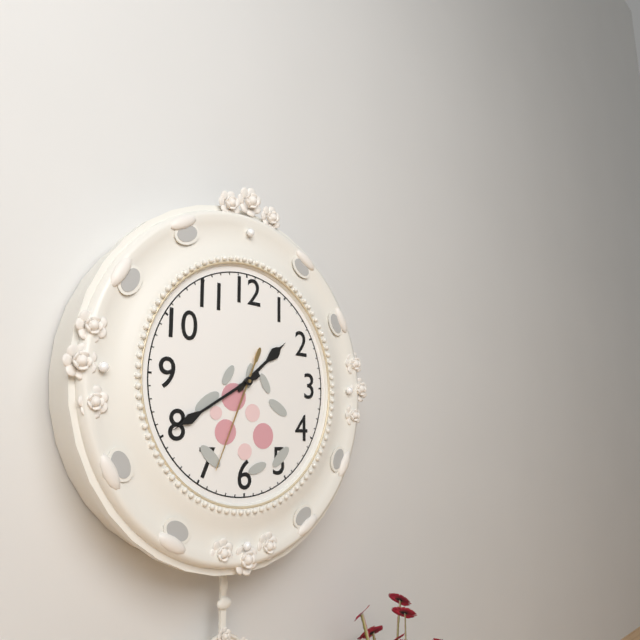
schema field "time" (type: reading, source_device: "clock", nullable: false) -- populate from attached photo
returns 1:40:34
